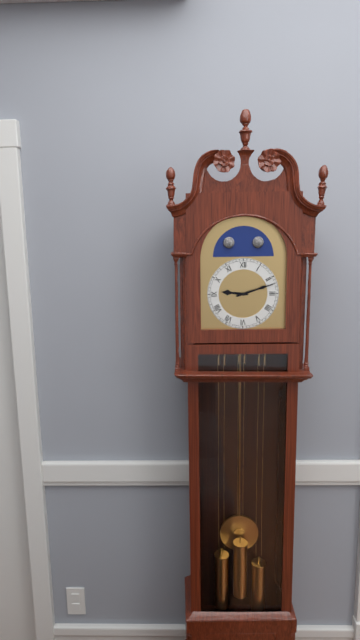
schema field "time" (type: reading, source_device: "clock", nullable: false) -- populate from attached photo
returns 9:12
